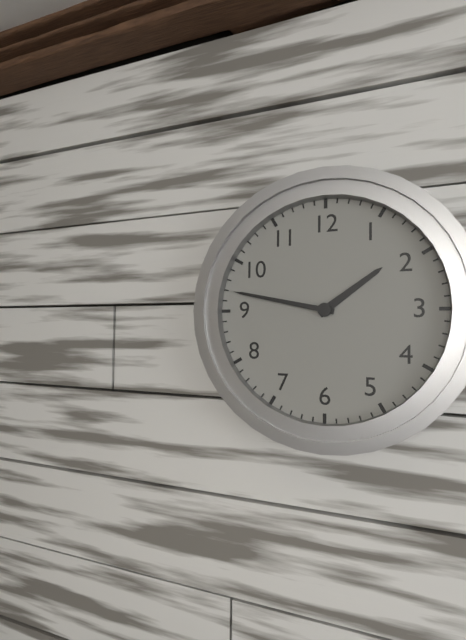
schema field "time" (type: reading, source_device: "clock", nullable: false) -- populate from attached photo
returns 1:47
